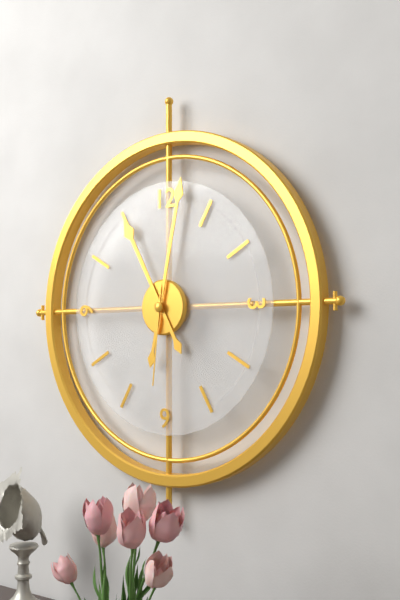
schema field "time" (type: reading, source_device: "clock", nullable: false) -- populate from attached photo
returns 11:02:31
